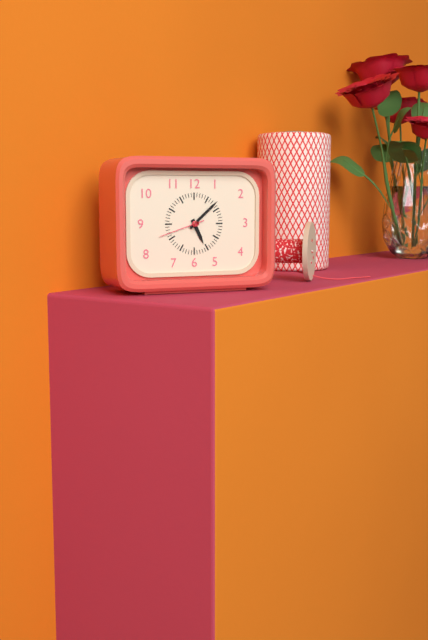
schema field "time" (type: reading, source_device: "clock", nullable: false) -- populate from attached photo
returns 5:08
